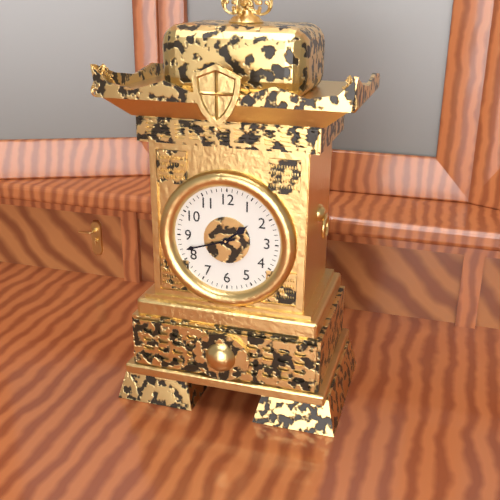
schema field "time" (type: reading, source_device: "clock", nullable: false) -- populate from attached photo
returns 1:42
